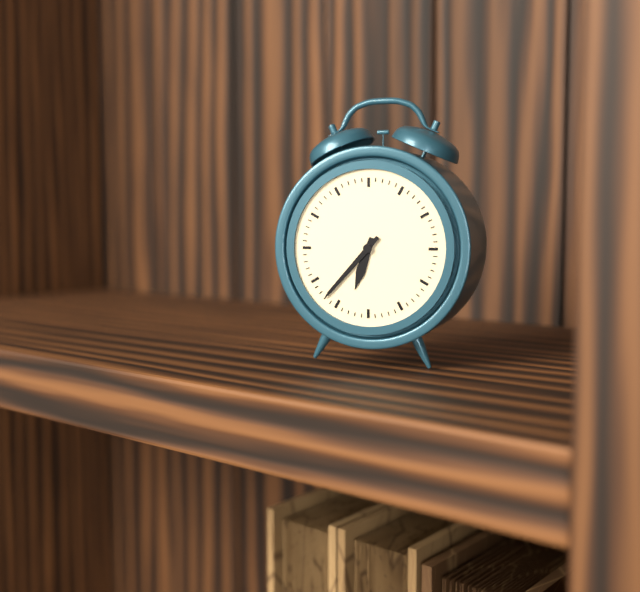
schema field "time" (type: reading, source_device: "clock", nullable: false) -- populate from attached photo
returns 6:37
